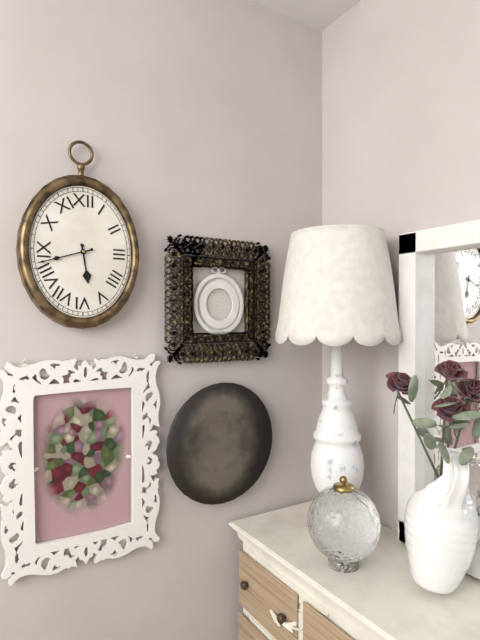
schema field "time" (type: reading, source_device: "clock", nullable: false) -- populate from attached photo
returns 5:42
